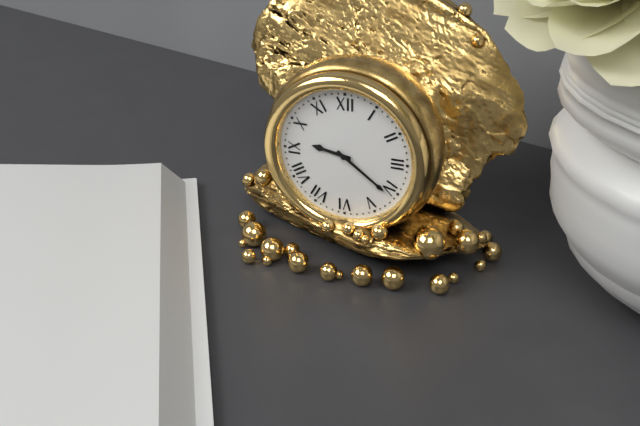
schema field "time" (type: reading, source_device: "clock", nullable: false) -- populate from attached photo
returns 9:21
